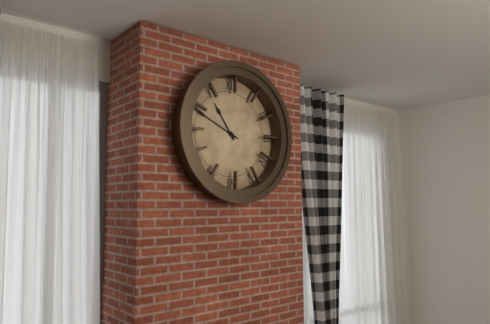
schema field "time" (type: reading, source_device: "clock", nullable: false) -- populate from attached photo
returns 10:49
